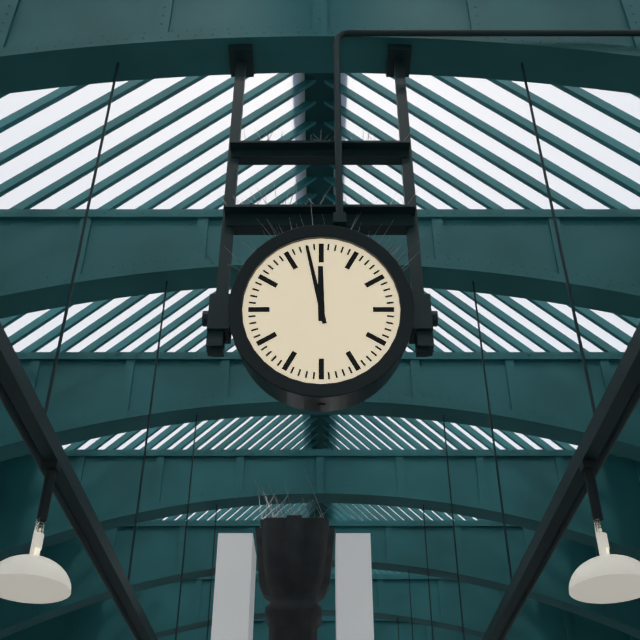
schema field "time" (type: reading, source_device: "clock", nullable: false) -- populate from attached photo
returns 11:58
